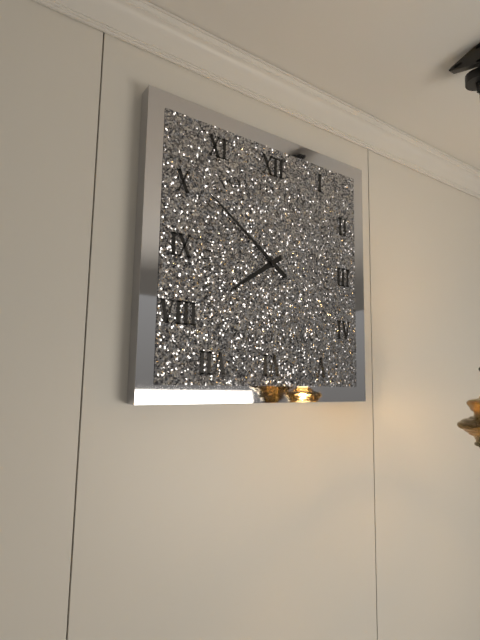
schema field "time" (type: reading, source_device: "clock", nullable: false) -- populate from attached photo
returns 7:51
